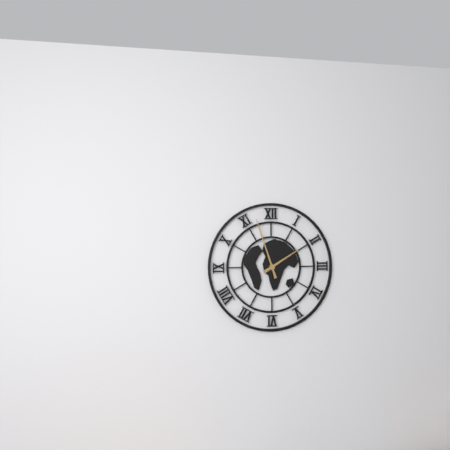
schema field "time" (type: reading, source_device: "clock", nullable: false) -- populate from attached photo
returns 1:57
